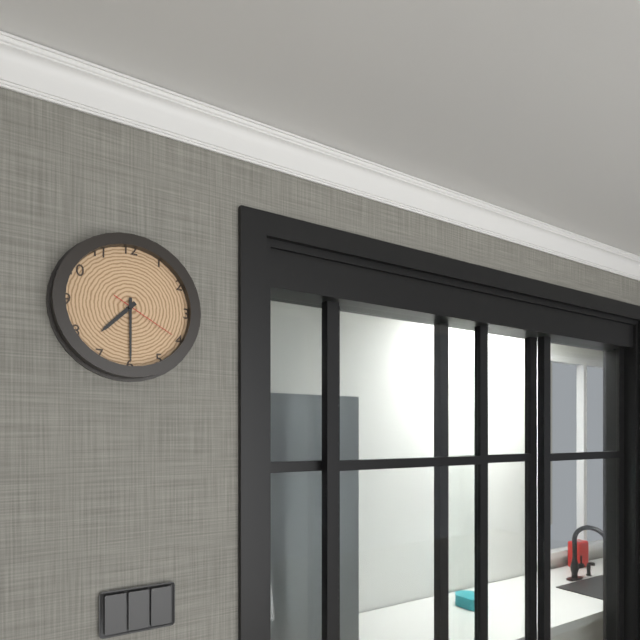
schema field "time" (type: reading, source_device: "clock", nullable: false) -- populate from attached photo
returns 7:30:20
